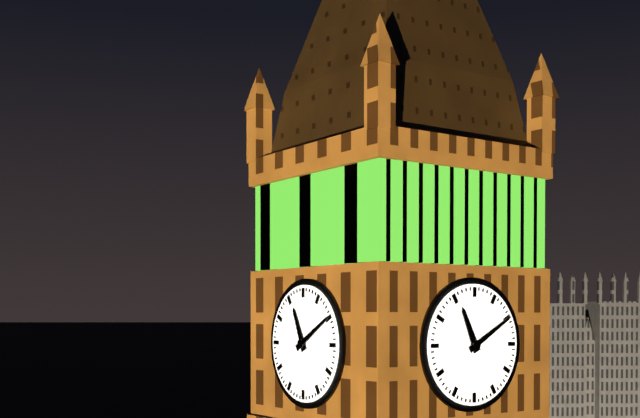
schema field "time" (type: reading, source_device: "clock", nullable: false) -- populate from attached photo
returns 11:10
